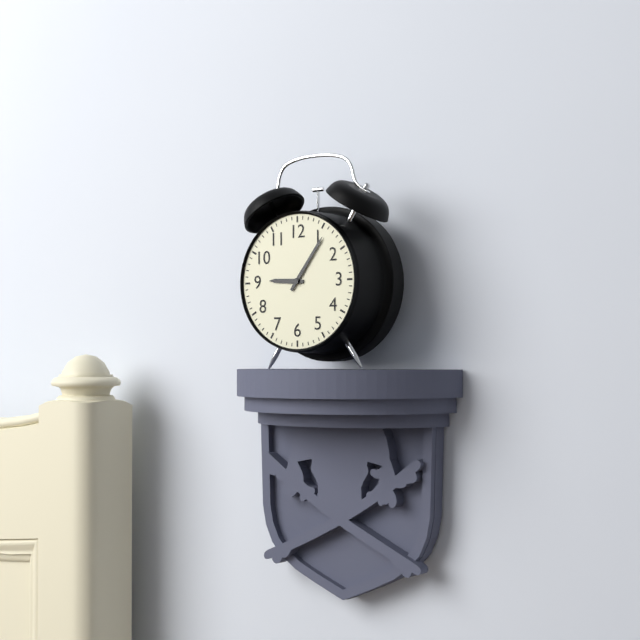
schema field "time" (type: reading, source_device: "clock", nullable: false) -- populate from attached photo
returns 9:06
